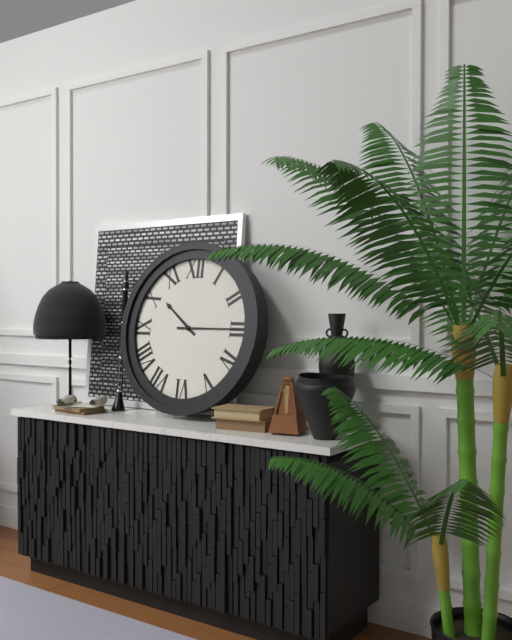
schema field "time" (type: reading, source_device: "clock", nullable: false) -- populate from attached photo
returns 10:15
